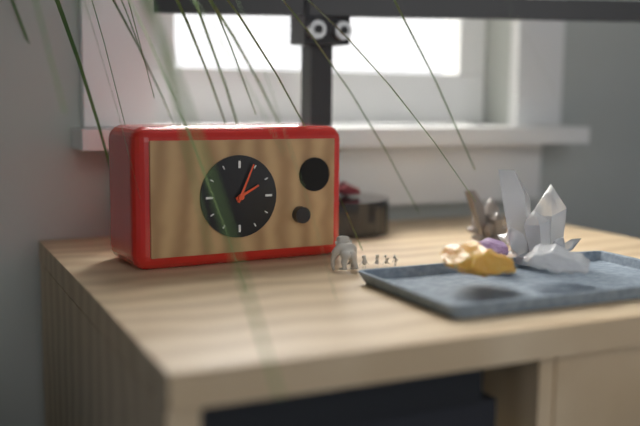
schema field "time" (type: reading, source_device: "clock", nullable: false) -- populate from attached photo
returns 2:04
